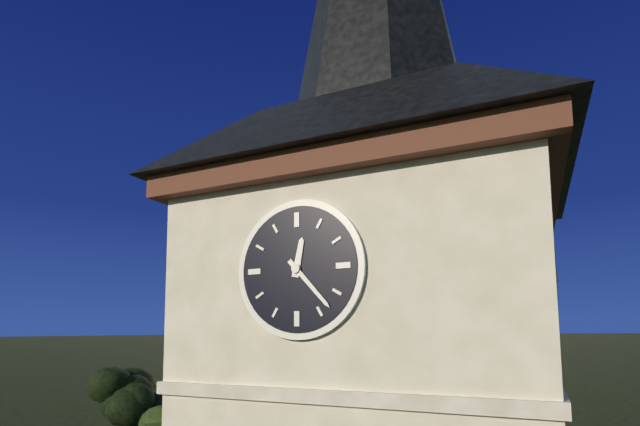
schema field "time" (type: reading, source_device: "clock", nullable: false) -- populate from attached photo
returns 12:23
